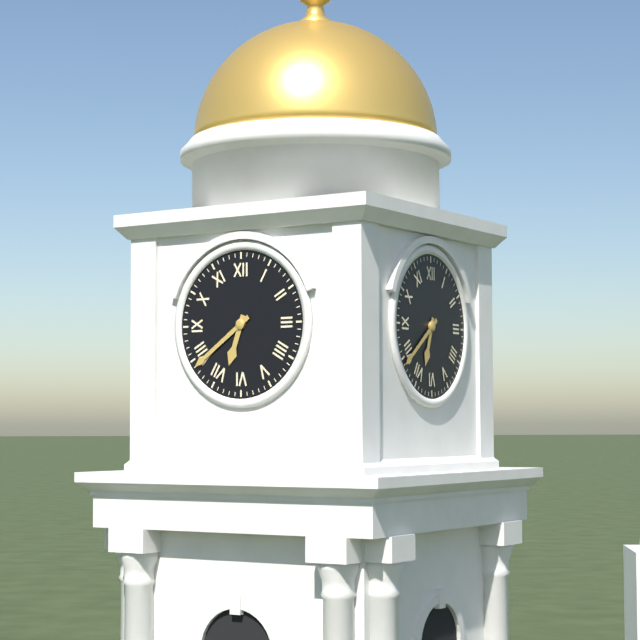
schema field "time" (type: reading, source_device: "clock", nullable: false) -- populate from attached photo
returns 6:39
